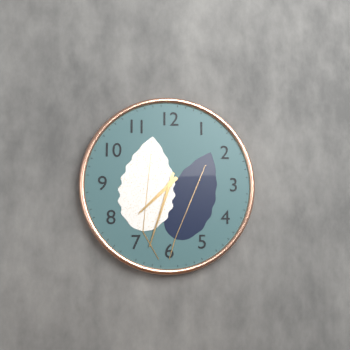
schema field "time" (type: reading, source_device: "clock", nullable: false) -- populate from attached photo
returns 7:33
